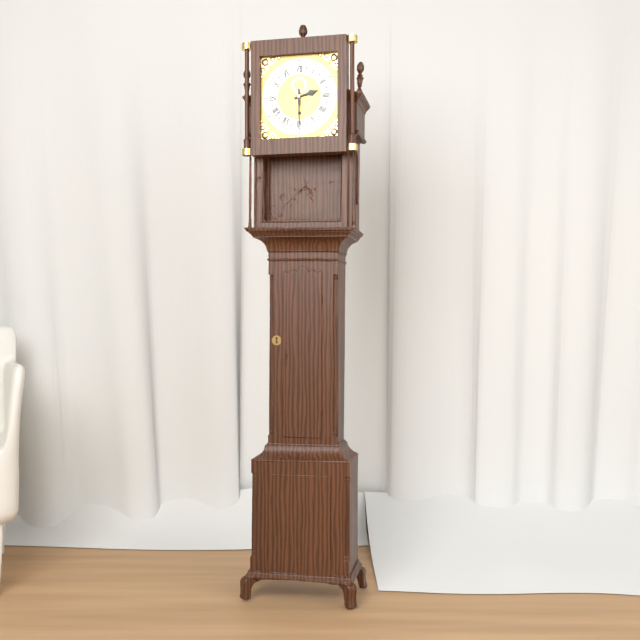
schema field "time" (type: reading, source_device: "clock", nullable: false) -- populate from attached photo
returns 2:30
